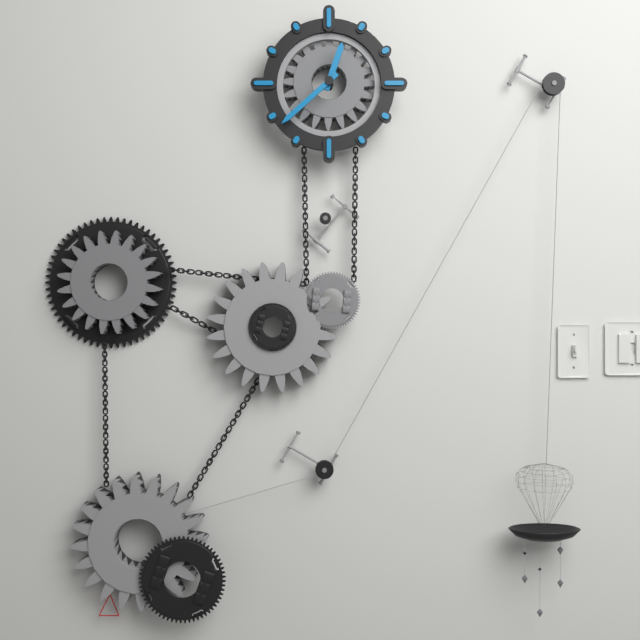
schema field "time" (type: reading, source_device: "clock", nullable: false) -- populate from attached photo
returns 12:38
